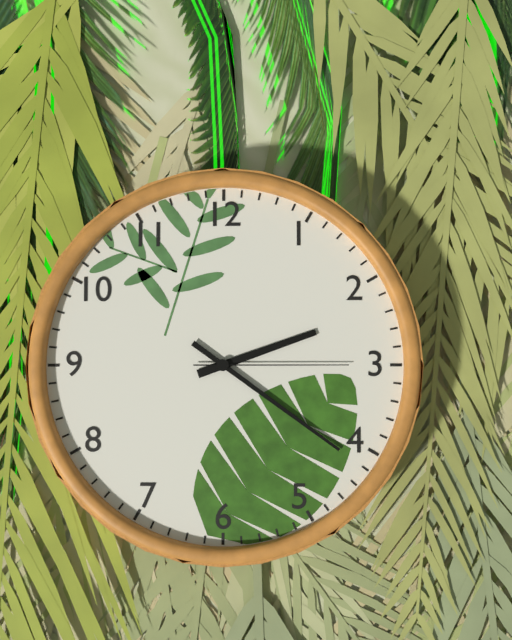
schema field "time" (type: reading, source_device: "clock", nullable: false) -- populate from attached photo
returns 2:21:15
